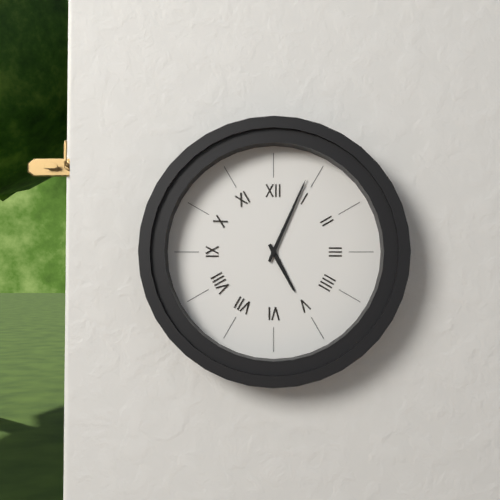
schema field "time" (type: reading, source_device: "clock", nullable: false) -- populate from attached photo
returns 5:04
